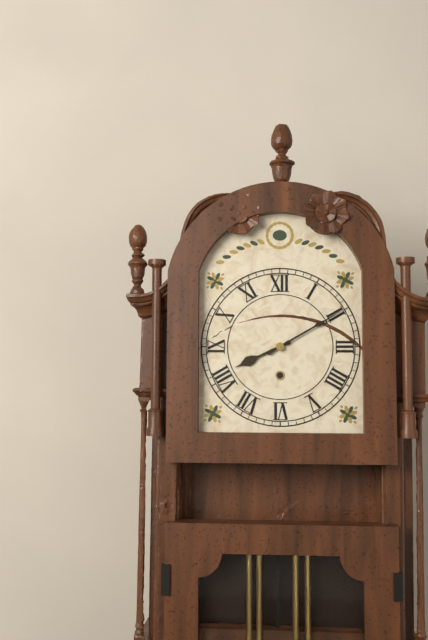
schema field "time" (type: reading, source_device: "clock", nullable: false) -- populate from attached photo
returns 8:10
